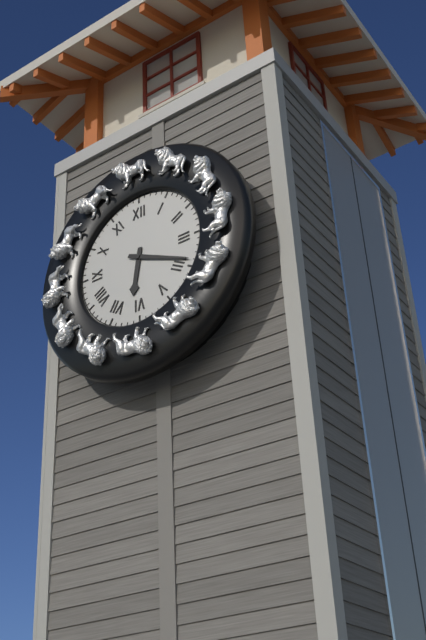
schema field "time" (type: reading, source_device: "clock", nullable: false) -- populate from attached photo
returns 6:19
